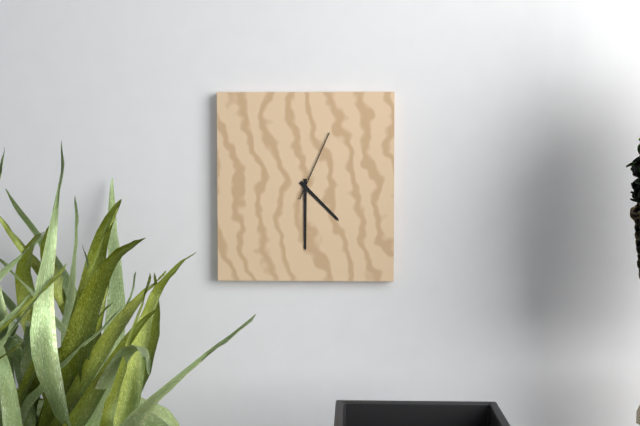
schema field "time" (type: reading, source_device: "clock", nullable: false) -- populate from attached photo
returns 4:30:04
